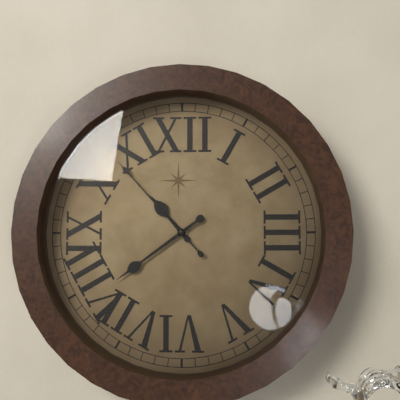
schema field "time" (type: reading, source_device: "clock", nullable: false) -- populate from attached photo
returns 10:39:53
